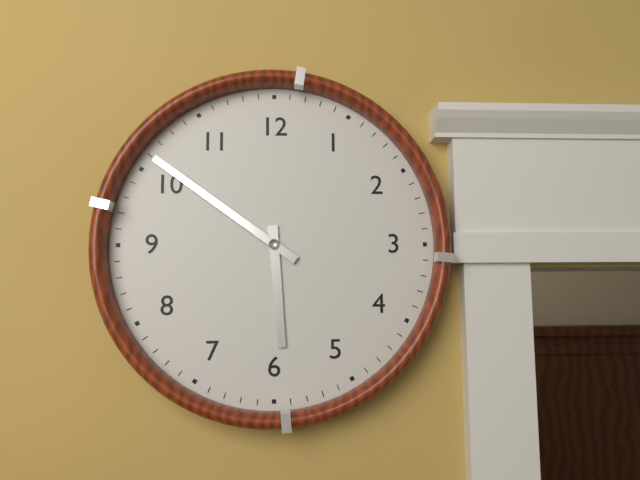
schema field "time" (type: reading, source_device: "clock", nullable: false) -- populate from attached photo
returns 5:51
